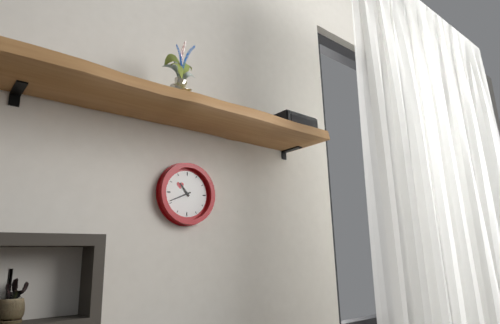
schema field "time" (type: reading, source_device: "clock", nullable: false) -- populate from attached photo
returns 10:41
